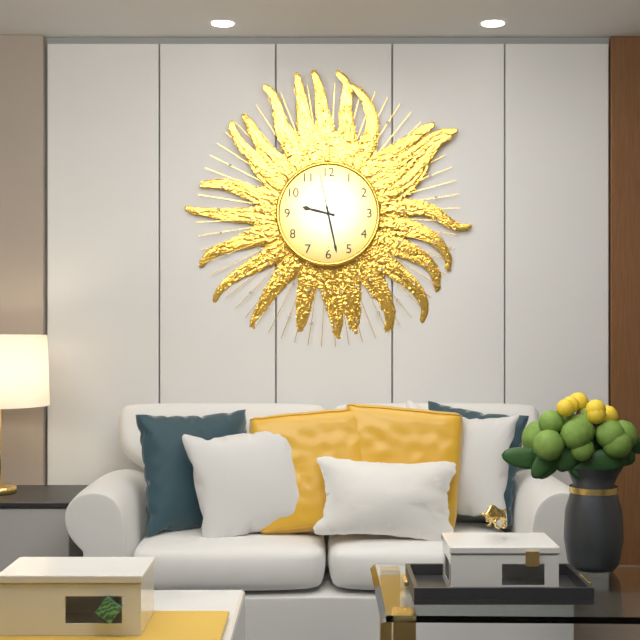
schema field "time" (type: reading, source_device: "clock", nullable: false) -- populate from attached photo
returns 9:28:58
